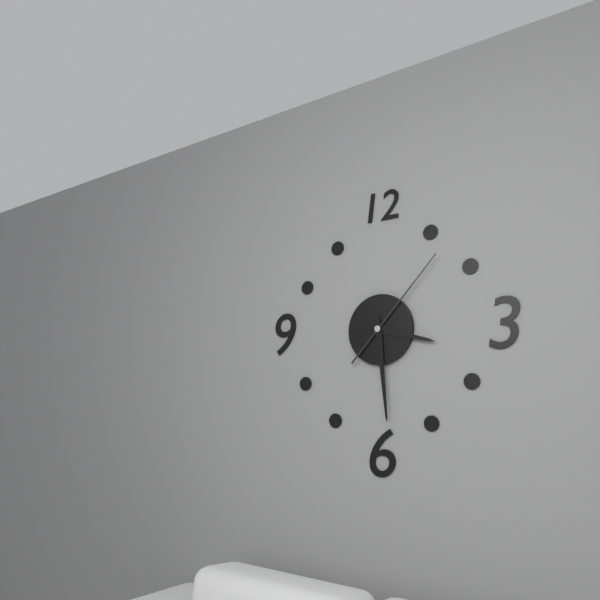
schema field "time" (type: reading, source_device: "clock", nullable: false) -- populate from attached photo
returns 3:29:07
